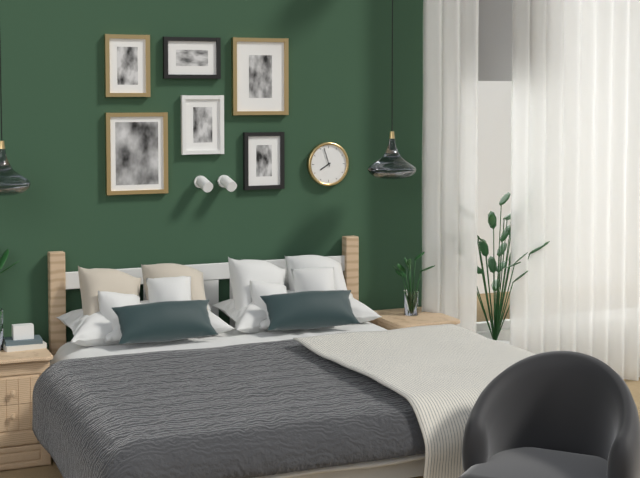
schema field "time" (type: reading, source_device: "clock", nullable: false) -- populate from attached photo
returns 7:57
